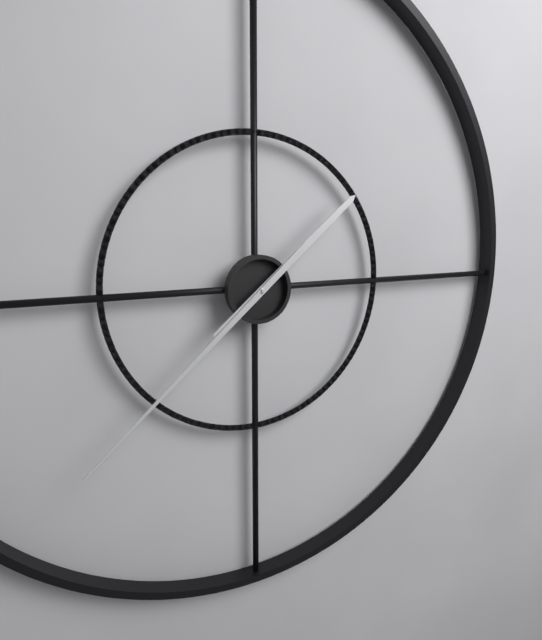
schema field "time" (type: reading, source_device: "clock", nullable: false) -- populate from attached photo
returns 1:38
